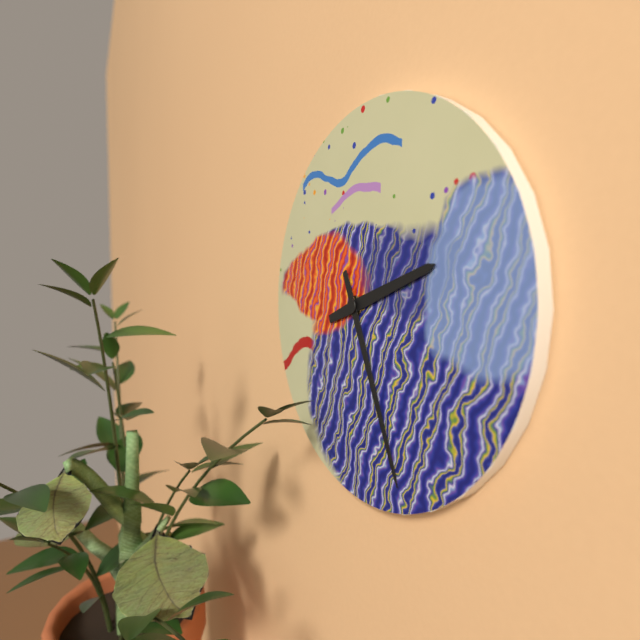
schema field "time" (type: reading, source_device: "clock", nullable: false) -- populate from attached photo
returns 2:26
